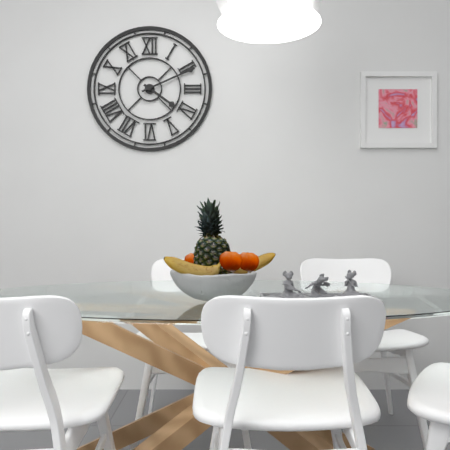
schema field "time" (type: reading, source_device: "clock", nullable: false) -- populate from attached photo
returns 4:11
